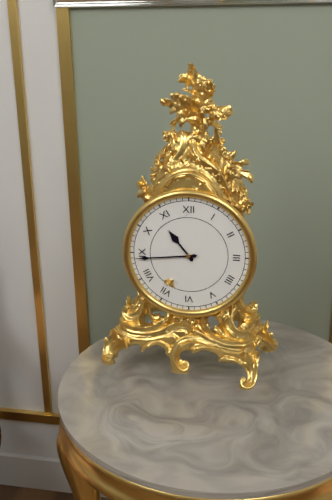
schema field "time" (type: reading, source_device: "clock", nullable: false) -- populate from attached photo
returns 10:44
